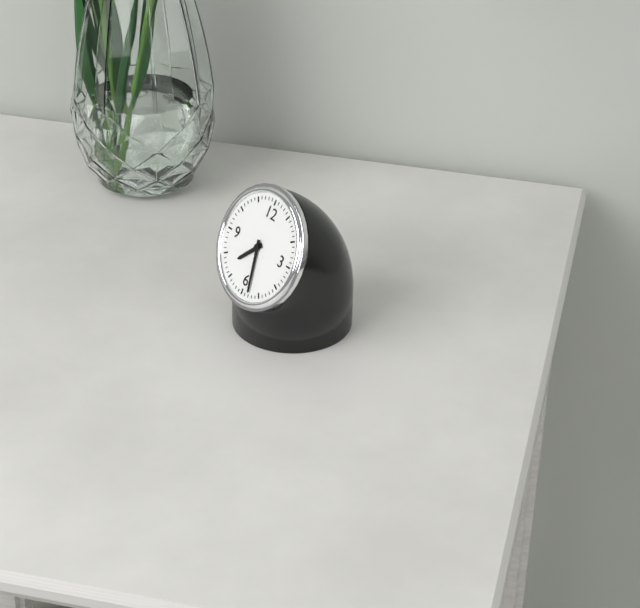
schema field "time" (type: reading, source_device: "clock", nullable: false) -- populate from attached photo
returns 7:28
